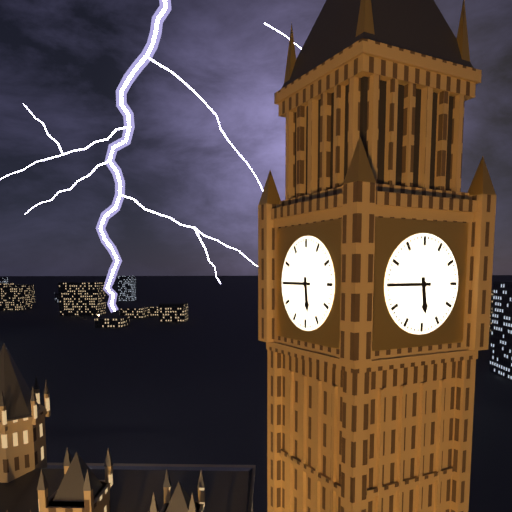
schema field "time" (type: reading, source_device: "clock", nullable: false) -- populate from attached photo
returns 5:45
